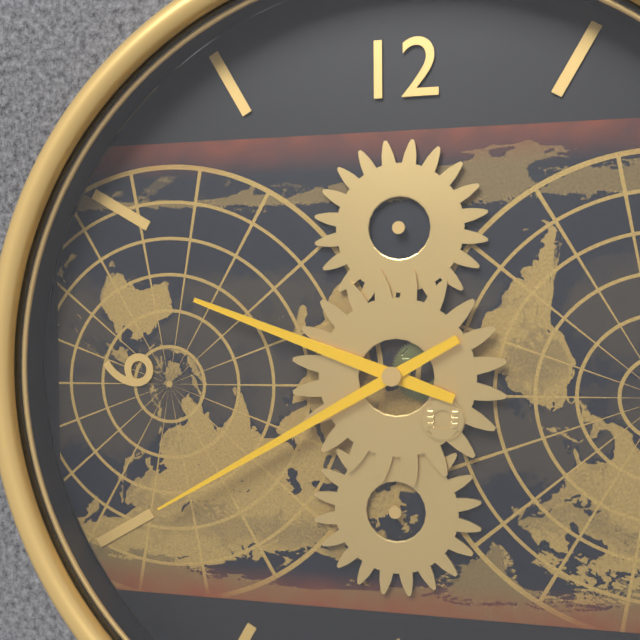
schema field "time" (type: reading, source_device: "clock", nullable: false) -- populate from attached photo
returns 9:40
